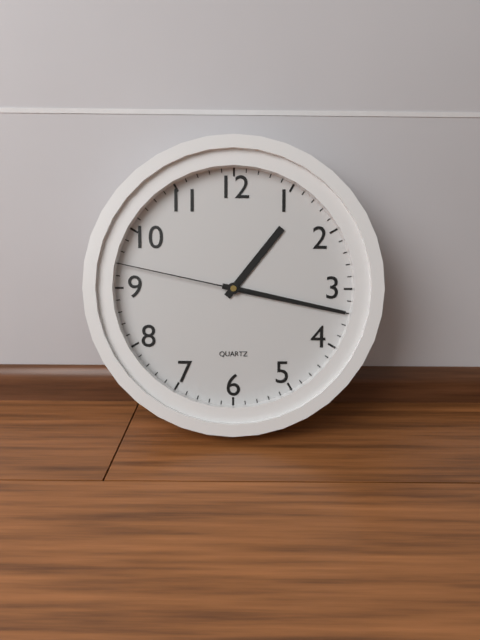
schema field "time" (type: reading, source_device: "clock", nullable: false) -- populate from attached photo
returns 1:17:47
